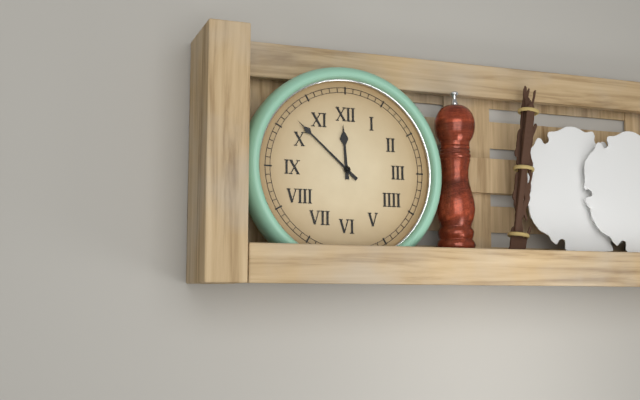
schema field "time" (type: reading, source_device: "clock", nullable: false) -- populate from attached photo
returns 11:52
